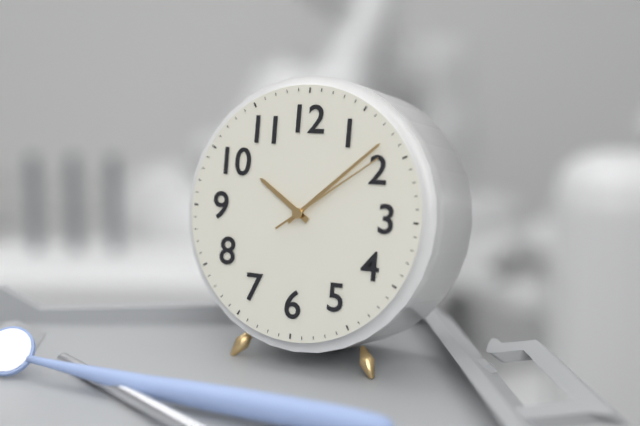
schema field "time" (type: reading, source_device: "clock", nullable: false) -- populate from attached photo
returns 10:08:09
